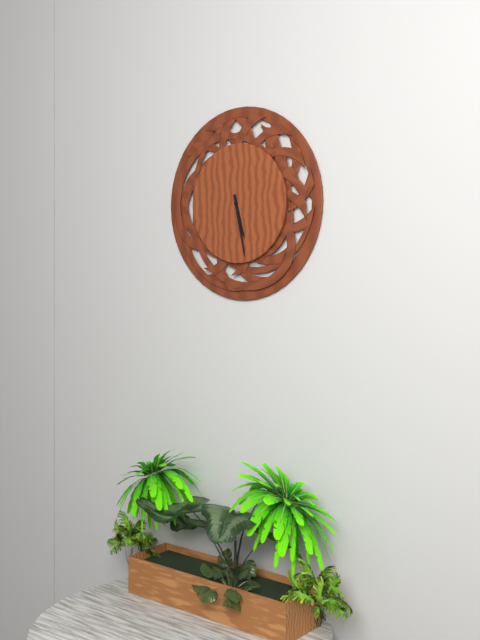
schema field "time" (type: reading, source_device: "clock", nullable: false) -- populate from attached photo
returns 5:28
